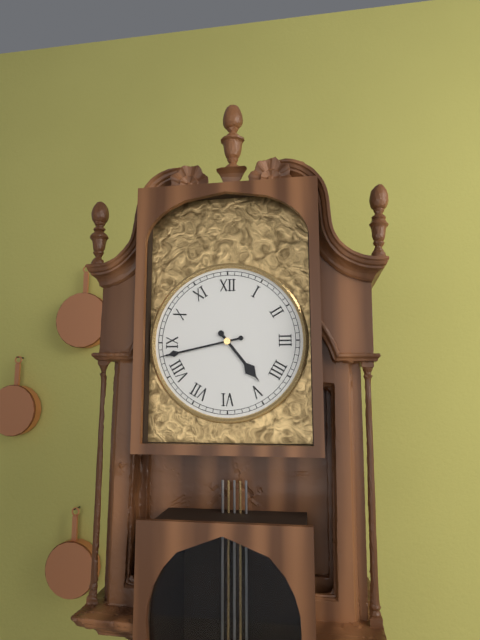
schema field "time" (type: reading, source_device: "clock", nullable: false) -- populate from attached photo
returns 4:43
